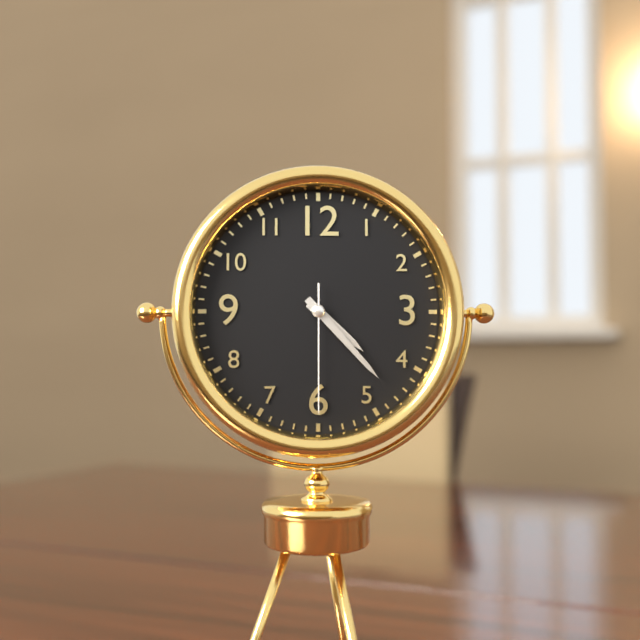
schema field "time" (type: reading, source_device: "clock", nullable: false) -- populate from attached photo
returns 4:23:30
